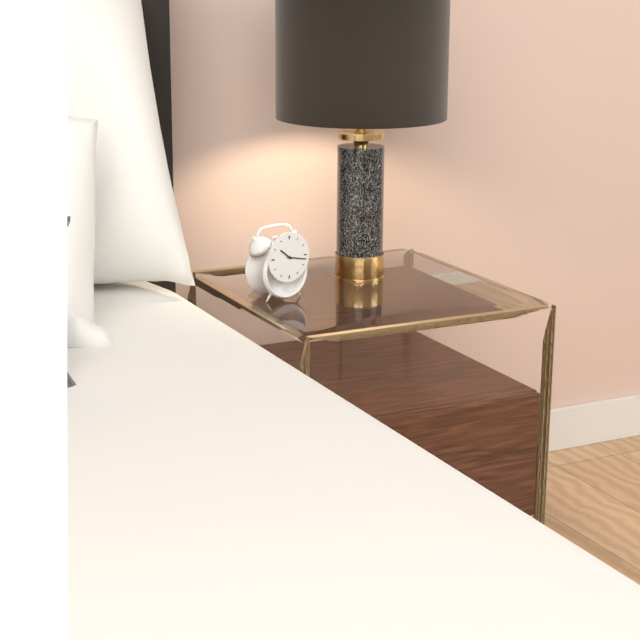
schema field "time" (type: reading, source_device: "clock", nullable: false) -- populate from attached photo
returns 10:17
